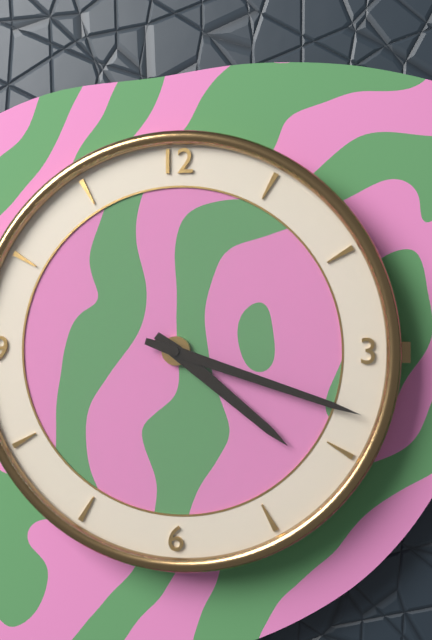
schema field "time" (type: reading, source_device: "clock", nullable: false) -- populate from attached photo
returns 4:18
